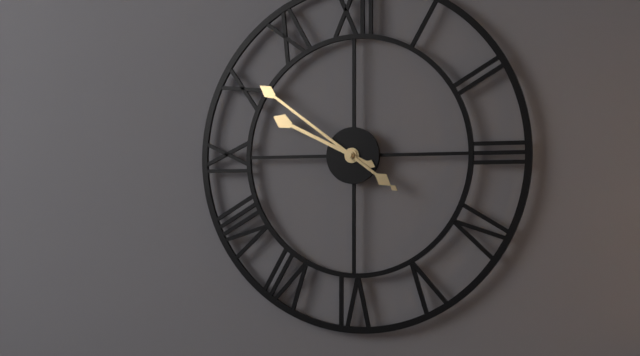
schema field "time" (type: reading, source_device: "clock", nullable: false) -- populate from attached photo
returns 9:51
